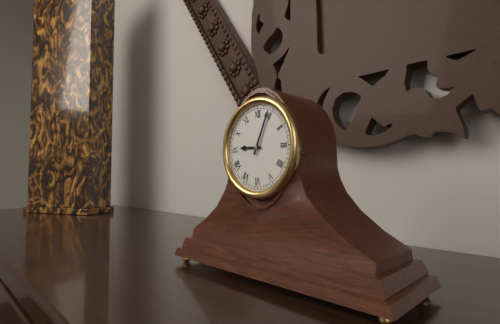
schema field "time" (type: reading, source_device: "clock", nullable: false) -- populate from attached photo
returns 9:04
